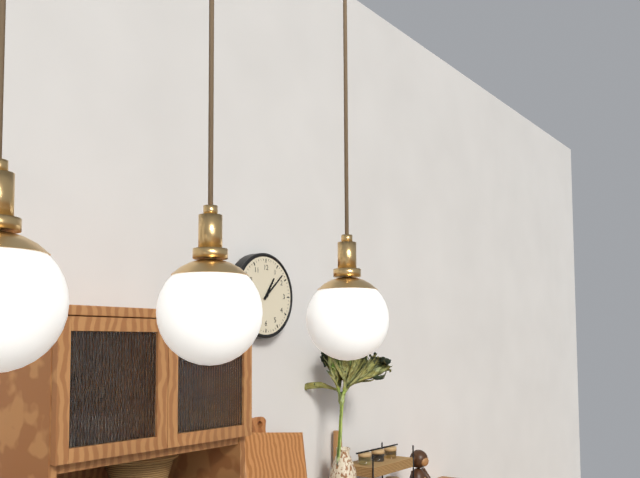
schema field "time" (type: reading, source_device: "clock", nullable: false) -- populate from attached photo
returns 1:08
